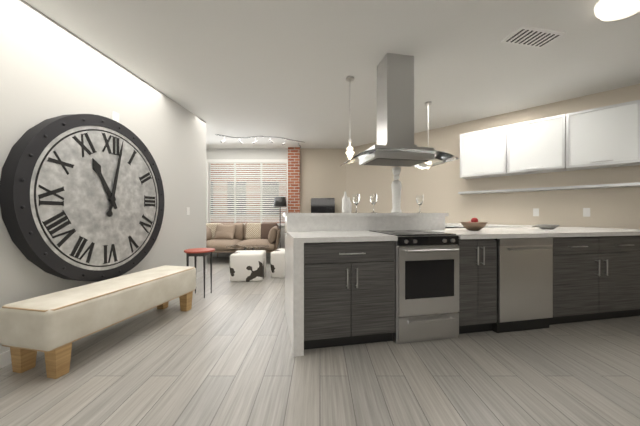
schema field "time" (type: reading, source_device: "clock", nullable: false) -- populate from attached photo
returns 11:02
